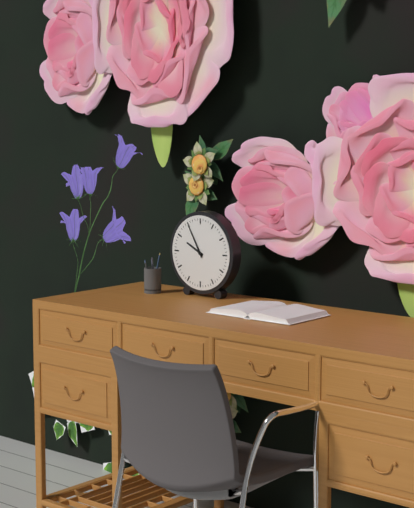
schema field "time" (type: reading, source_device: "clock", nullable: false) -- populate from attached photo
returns 9:55
